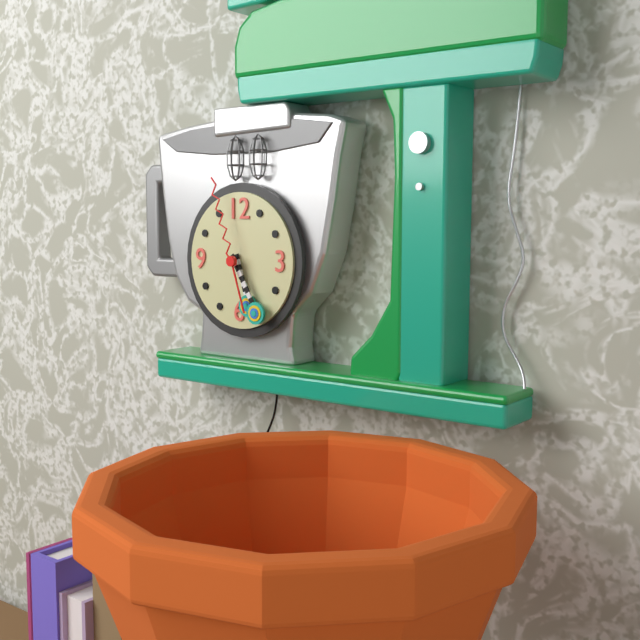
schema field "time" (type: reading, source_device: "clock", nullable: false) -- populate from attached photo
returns 5:25:57
